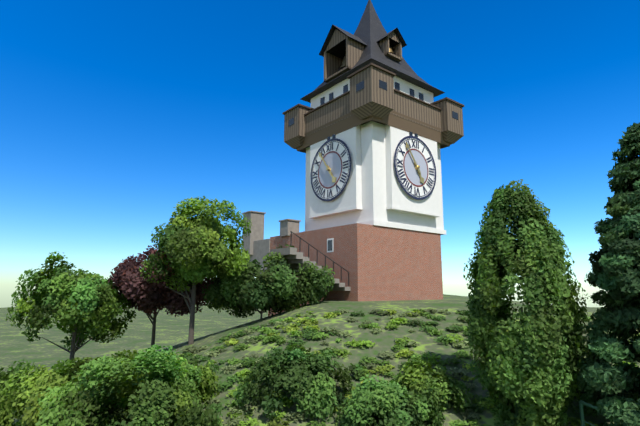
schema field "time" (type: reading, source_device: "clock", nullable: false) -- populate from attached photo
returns 4:54
